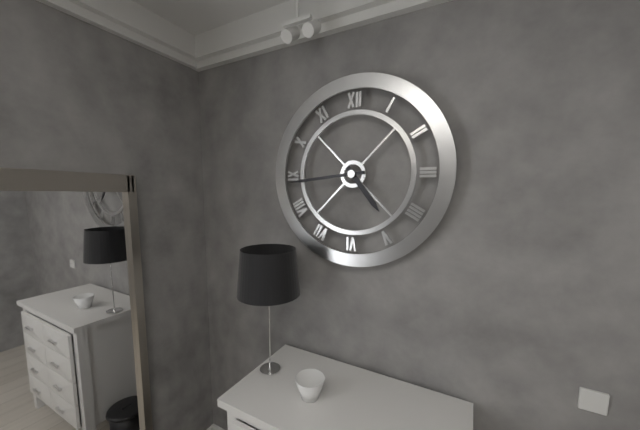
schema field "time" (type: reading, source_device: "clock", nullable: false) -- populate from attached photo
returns 4:44
